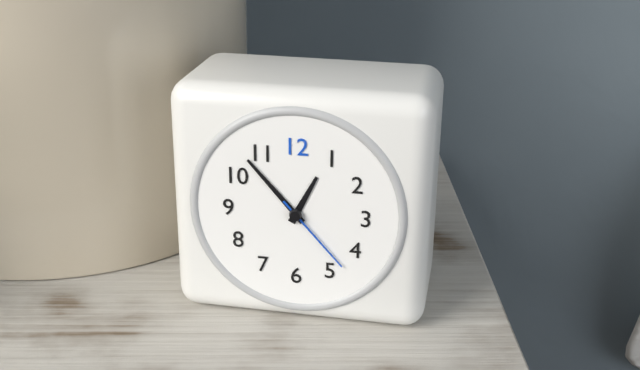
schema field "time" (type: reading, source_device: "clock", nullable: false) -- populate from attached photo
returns 12:53:23
